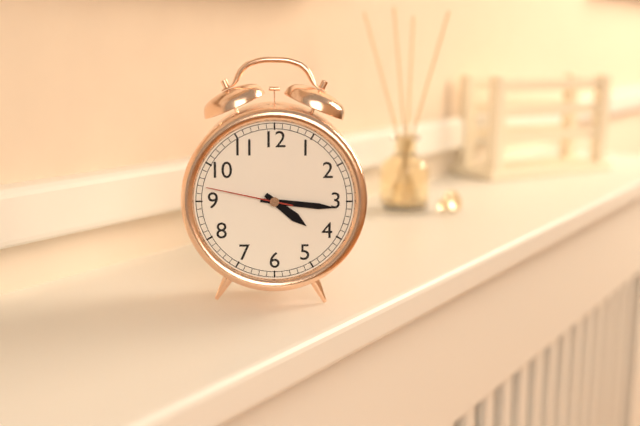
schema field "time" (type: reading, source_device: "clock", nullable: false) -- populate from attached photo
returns 4:16:47
